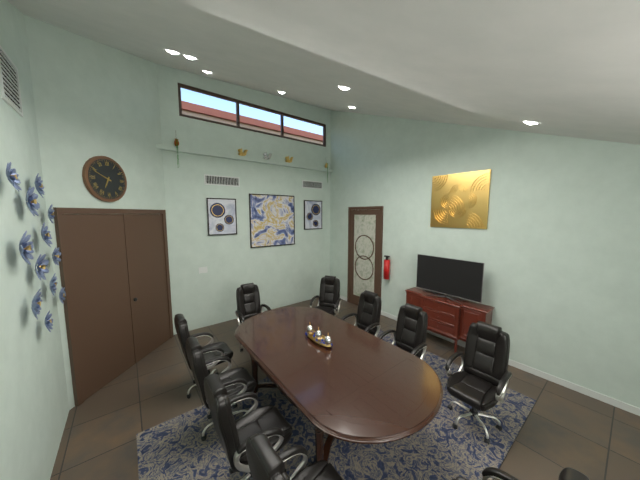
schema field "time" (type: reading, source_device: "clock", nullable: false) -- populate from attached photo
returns 6:49
